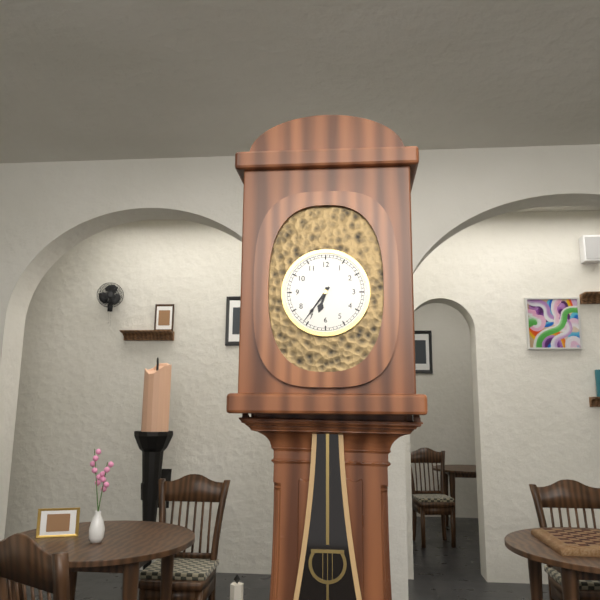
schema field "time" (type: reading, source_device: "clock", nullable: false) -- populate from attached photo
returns 6:36
